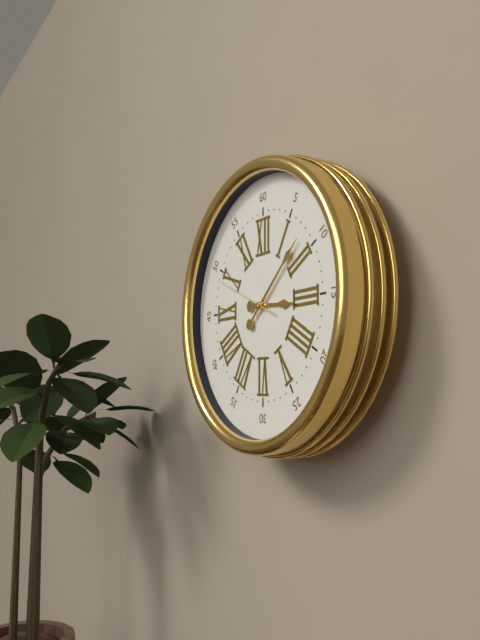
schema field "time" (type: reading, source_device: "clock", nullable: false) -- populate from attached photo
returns 3:08:49
